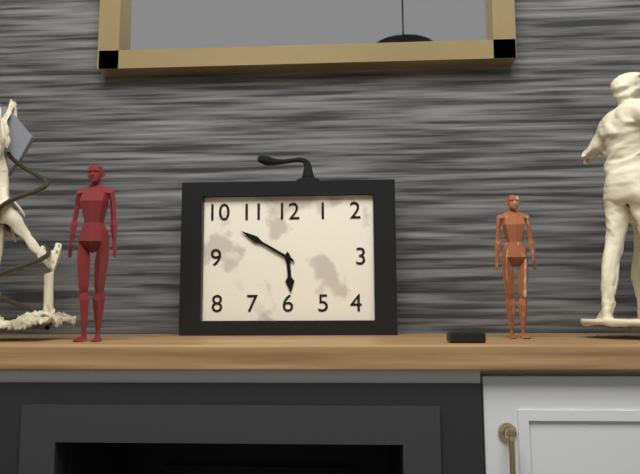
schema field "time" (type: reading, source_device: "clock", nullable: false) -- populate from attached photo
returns 5:50
